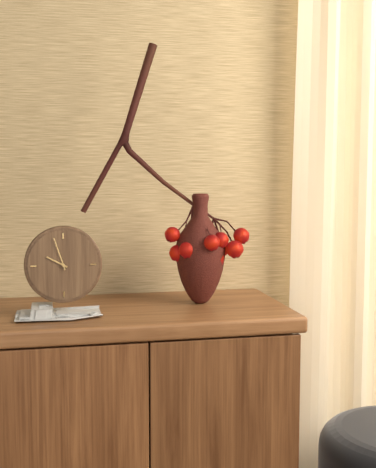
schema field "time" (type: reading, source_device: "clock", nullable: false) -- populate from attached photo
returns 9:57
